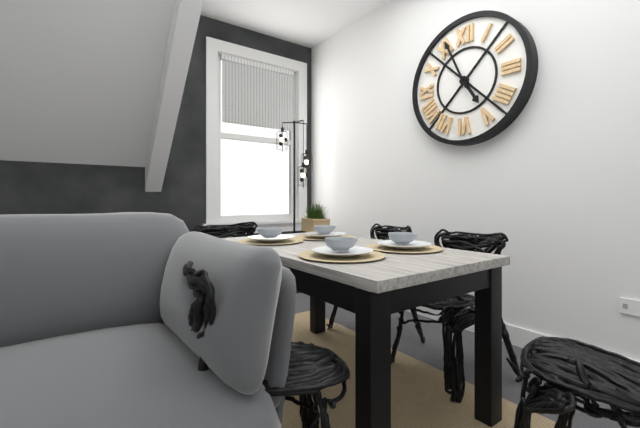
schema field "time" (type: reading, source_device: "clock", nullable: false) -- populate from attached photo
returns 4:56
